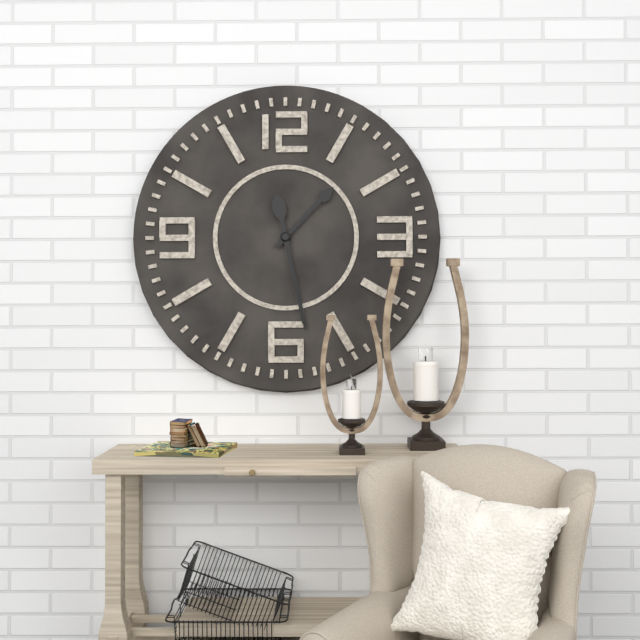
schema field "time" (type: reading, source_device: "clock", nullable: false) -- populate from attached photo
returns 1:28
